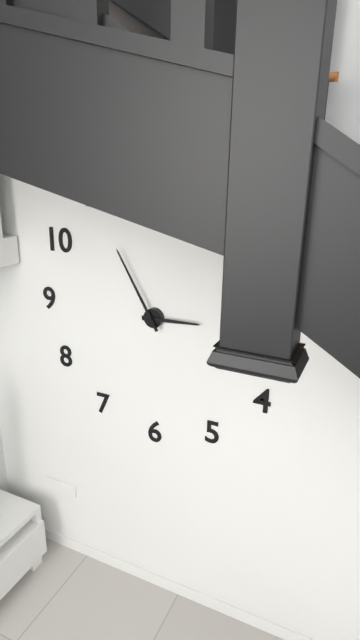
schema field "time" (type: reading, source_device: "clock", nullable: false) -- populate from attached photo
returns 2:55
